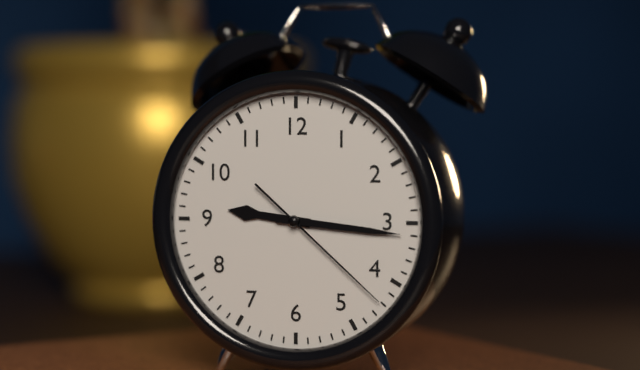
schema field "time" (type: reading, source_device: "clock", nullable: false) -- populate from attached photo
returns 9:16:22
